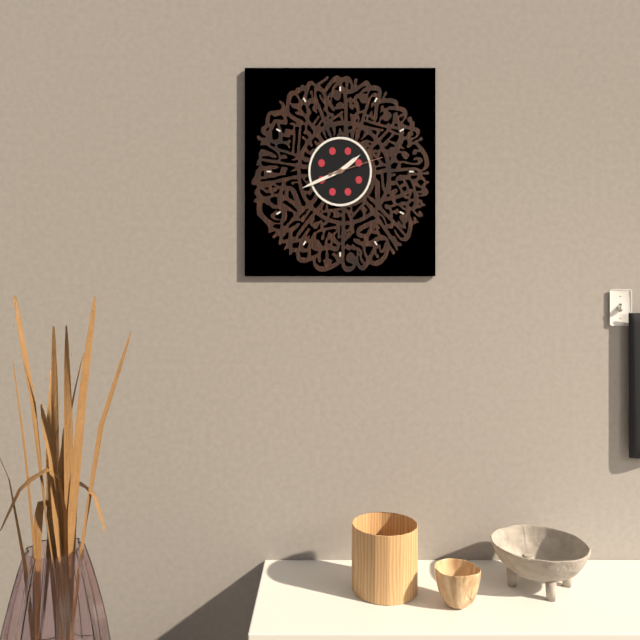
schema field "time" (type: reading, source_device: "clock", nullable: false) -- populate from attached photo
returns 1:41:12
